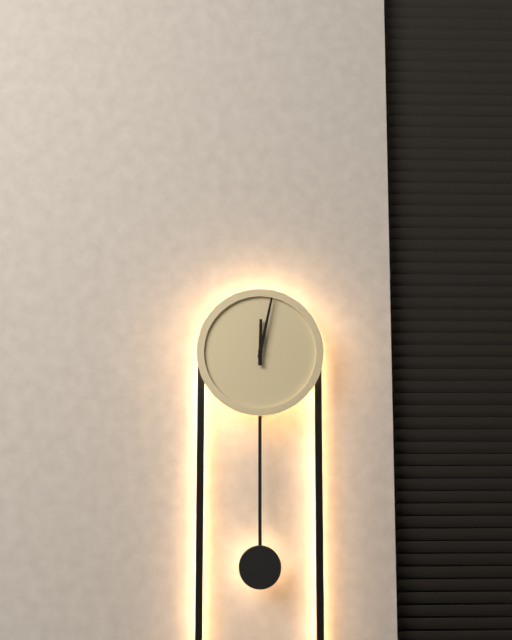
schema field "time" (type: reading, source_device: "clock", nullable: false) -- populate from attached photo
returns 12:02
